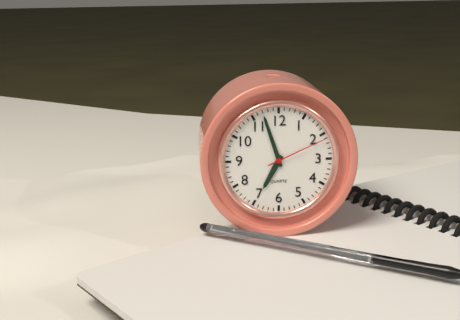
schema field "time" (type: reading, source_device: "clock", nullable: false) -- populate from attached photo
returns 6:57:11
